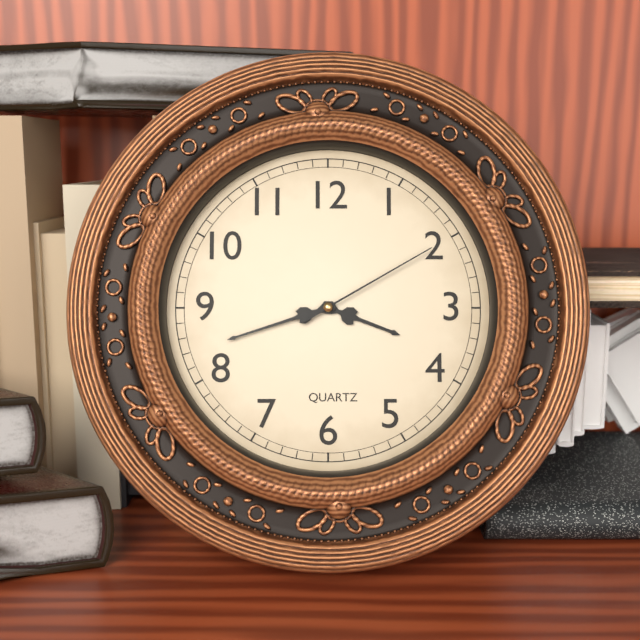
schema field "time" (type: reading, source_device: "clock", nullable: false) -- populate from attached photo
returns 3:42:10
